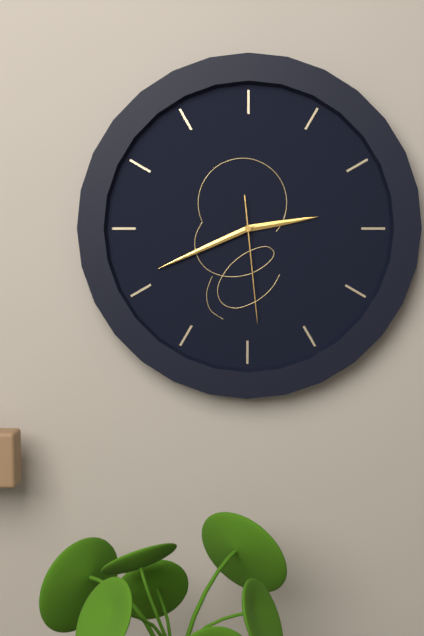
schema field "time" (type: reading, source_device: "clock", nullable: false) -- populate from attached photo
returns 2:41:29
